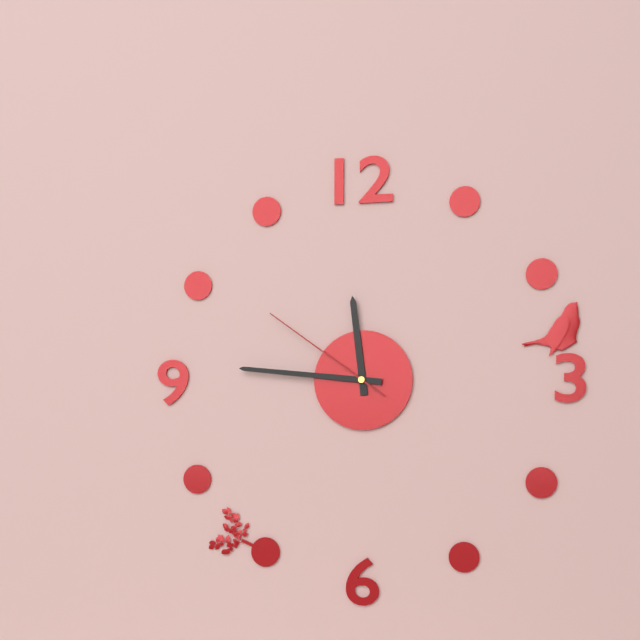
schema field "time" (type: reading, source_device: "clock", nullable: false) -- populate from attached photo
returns 11:46:51
